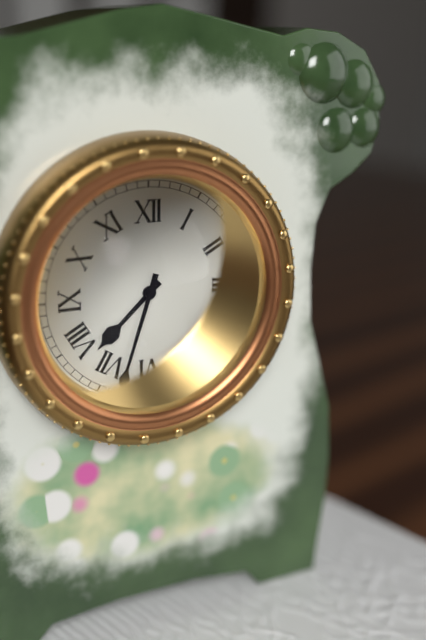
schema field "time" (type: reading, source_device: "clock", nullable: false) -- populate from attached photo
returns 7:33
